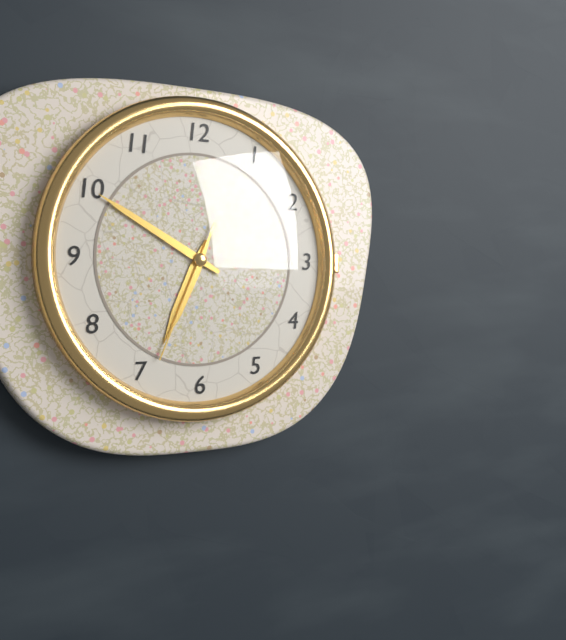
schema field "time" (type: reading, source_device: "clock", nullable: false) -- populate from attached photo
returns 6:50:34
